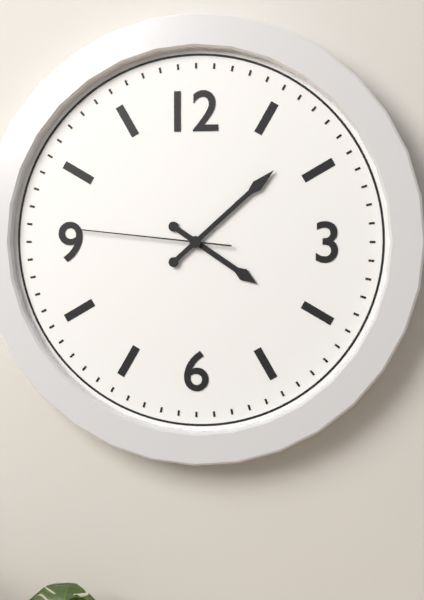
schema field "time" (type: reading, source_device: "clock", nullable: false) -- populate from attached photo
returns 4:08:46
